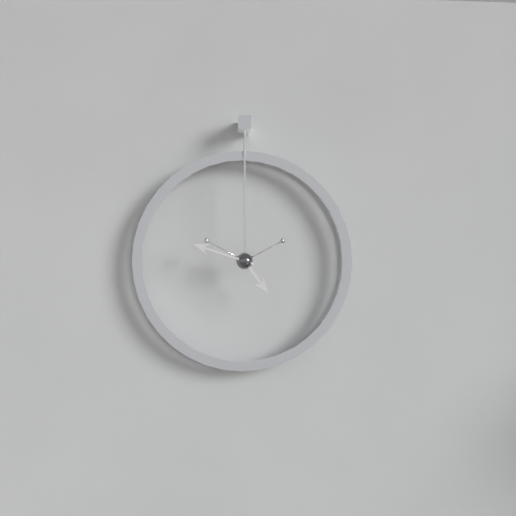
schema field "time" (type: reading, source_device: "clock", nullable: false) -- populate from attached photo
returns 4:48
